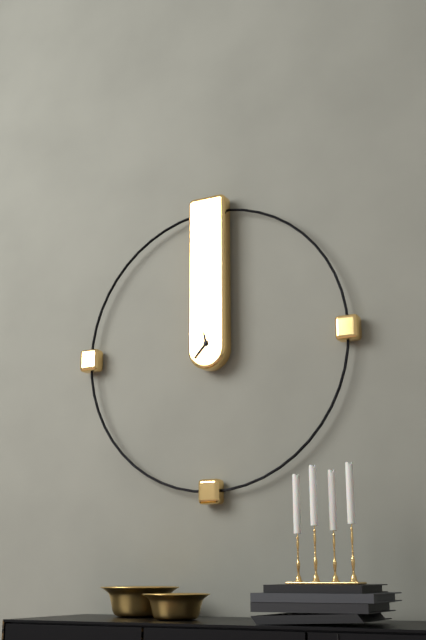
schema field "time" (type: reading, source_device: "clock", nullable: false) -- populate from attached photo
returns 11:37
